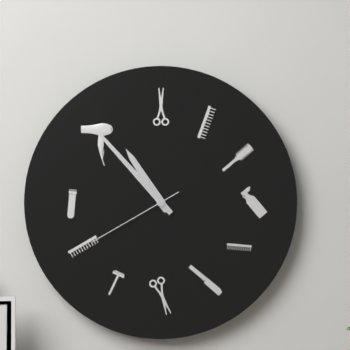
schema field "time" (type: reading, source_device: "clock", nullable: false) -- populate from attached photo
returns 10:53:40
